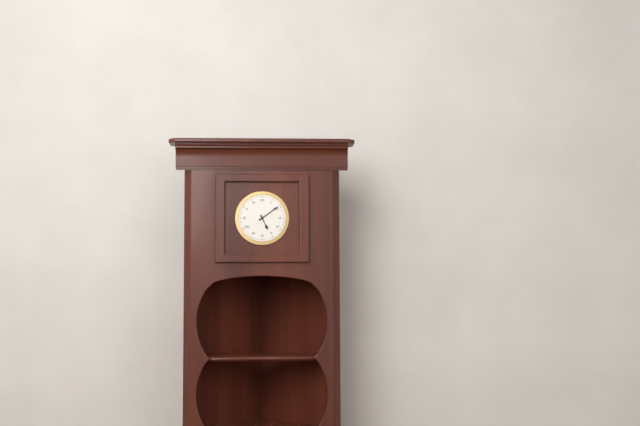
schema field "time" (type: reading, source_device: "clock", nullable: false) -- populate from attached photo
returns 5:09
